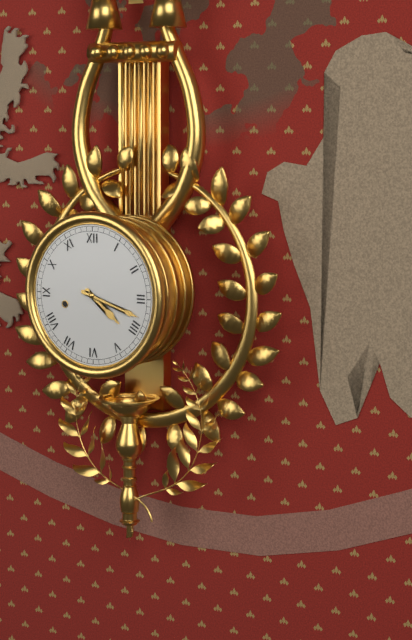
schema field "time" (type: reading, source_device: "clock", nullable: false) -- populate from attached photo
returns 4:18
